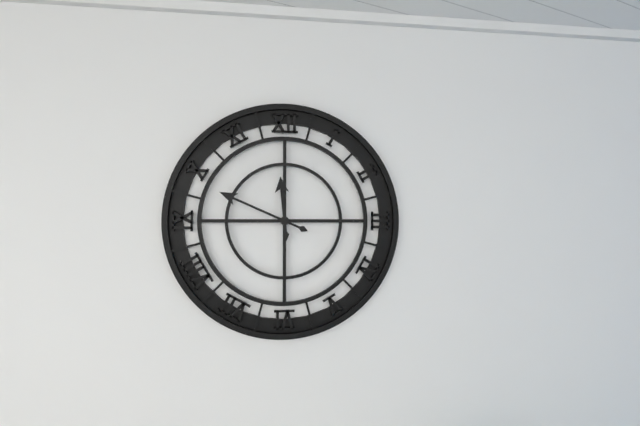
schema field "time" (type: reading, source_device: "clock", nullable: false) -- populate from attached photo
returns 11:49
